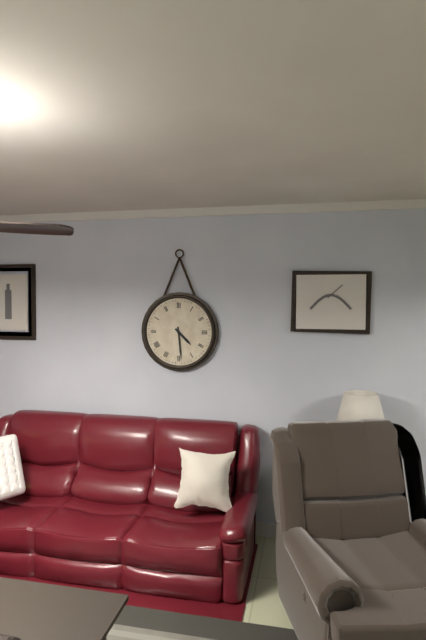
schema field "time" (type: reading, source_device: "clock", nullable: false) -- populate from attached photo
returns 4:29
